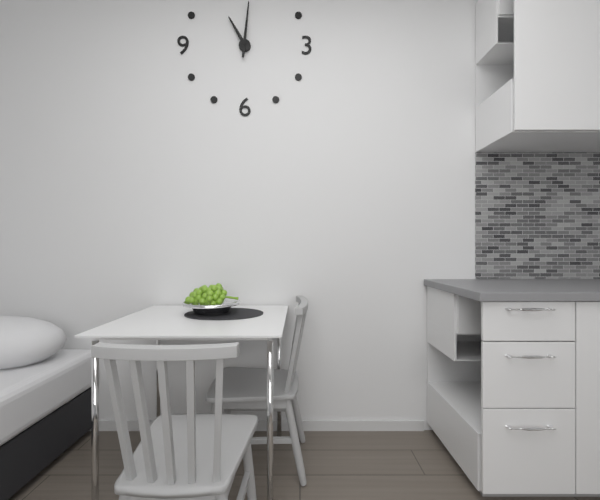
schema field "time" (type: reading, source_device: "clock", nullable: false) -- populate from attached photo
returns 11:01
